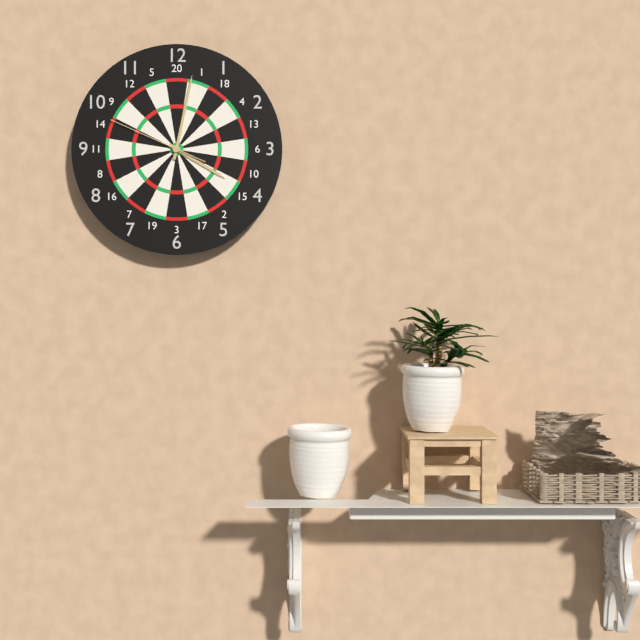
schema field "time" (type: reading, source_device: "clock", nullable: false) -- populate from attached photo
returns 4:02:49
